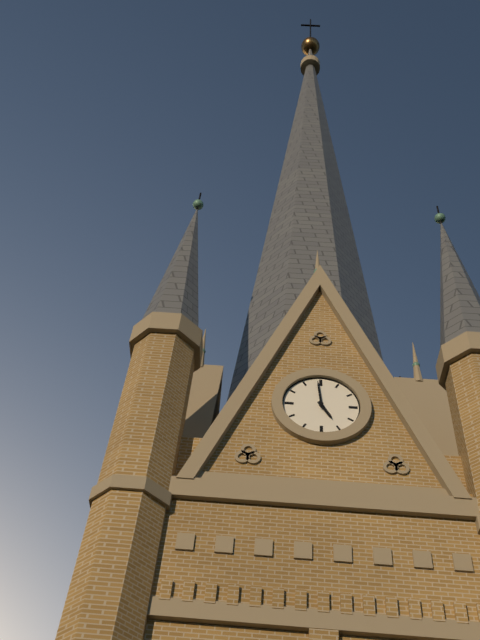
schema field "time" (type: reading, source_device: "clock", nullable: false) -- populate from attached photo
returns 4:59
